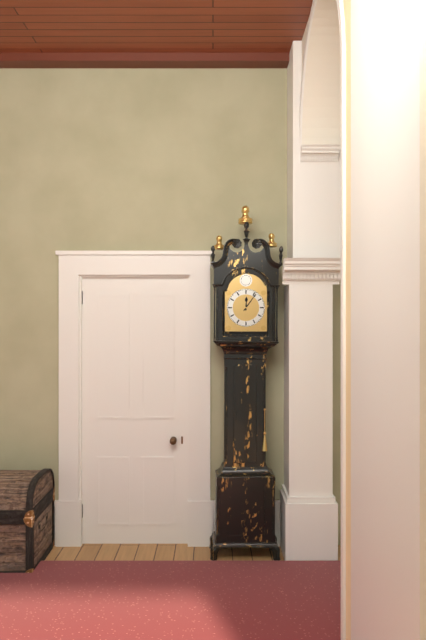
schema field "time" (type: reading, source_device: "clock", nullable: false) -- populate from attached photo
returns 12:06
